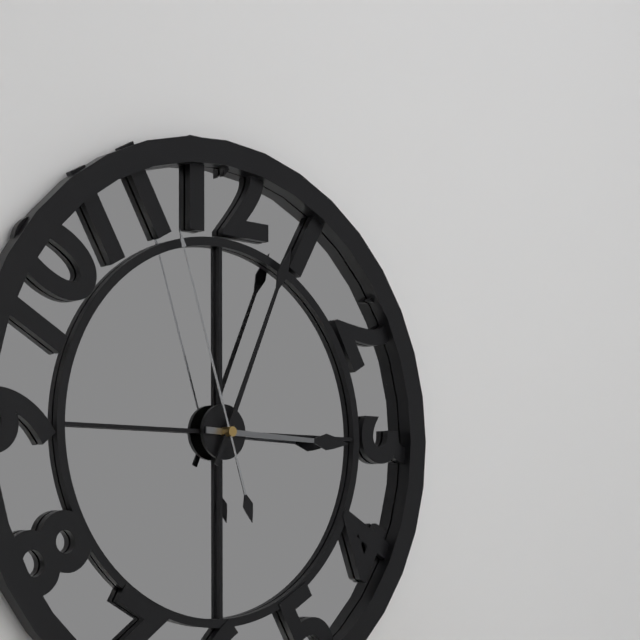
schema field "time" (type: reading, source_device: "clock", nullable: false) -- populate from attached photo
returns 3:04:57
